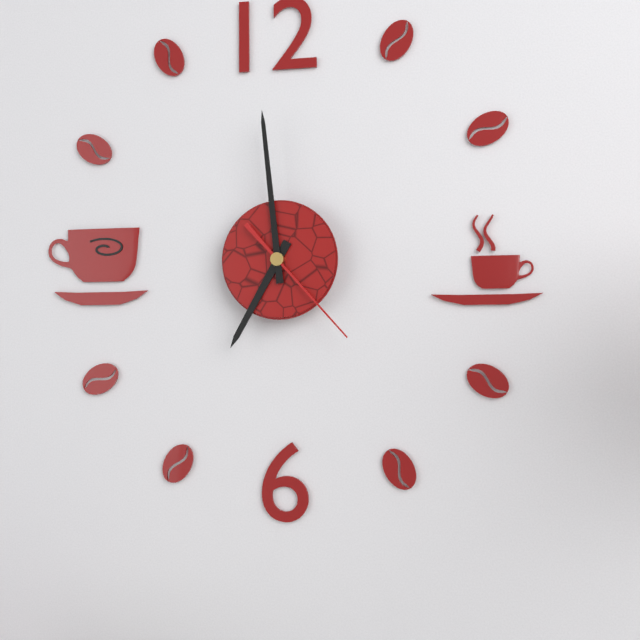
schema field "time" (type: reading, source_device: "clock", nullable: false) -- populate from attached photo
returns 6:59:23
